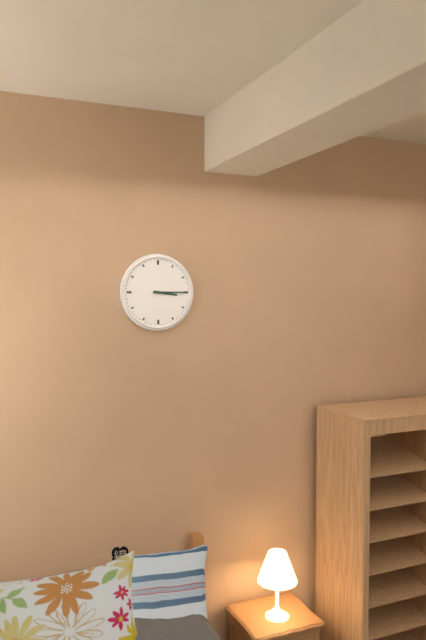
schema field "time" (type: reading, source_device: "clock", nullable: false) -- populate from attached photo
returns 3:15
